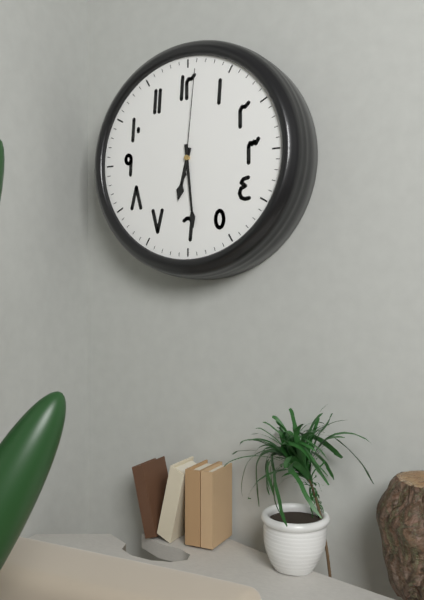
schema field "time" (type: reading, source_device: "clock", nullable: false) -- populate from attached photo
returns 6:29:01
